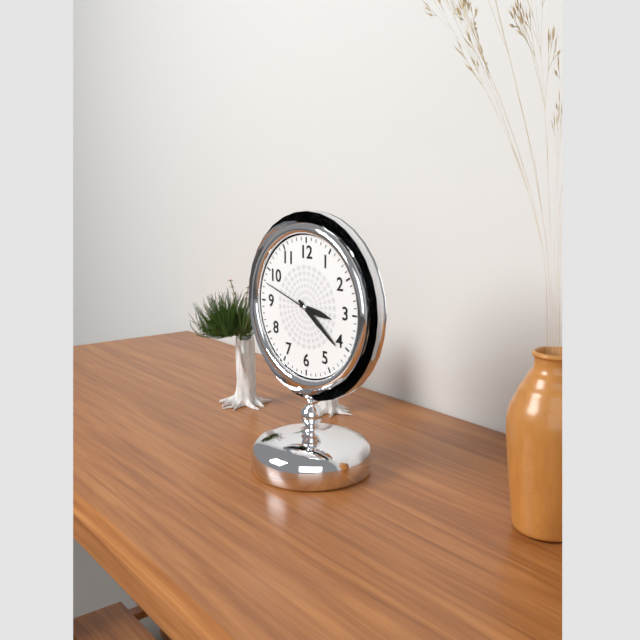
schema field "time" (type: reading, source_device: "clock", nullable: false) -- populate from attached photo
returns 3:21:48
